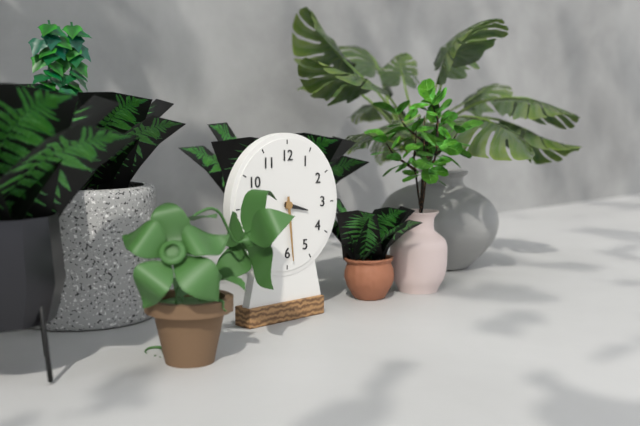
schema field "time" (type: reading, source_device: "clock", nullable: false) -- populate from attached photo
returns 3:29
